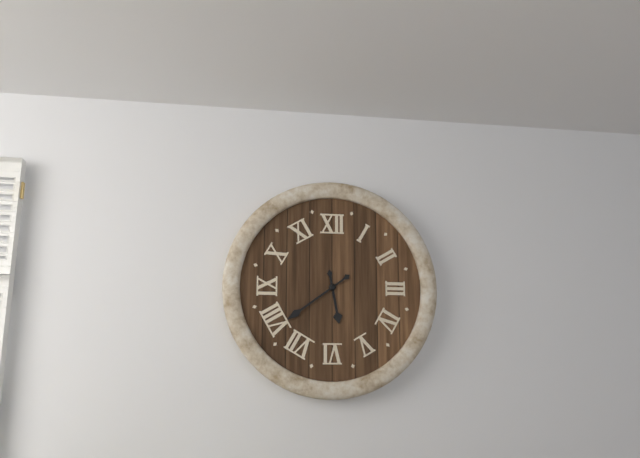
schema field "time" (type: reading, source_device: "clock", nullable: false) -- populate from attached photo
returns 5:39
